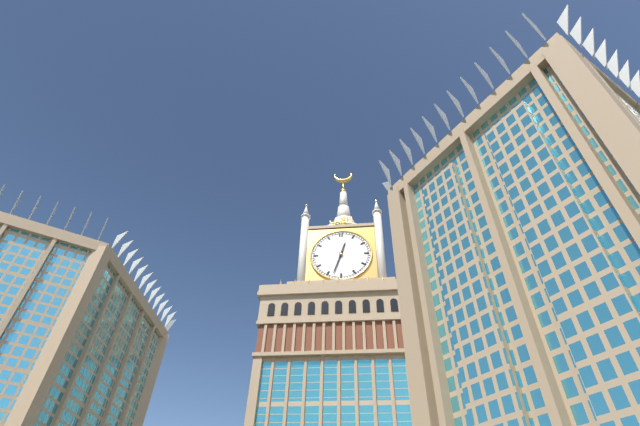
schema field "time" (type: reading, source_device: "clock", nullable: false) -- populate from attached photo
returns 12:33
